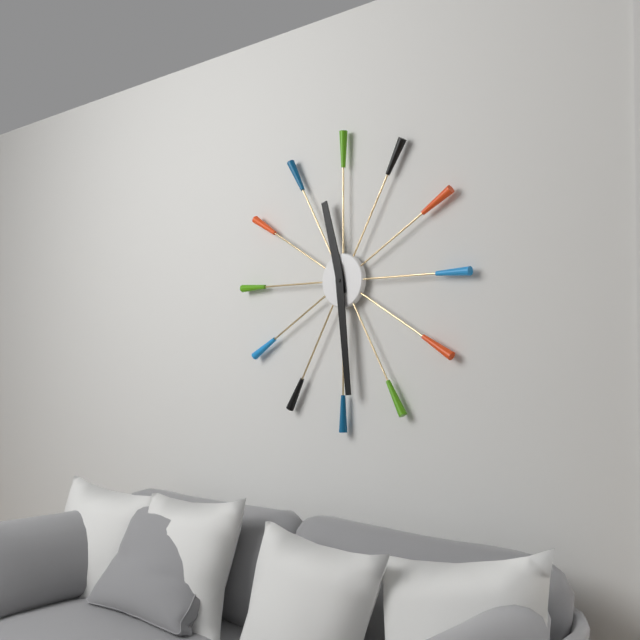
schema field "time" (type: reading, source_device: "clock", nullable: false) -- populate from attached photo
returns 11:29
